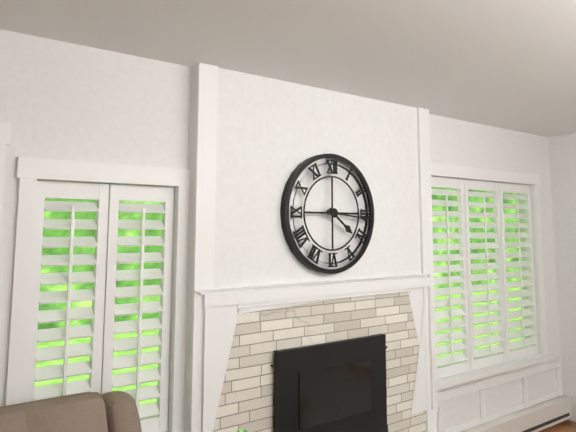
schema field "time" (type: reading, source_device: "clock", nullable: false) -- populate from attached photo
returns 4:16
